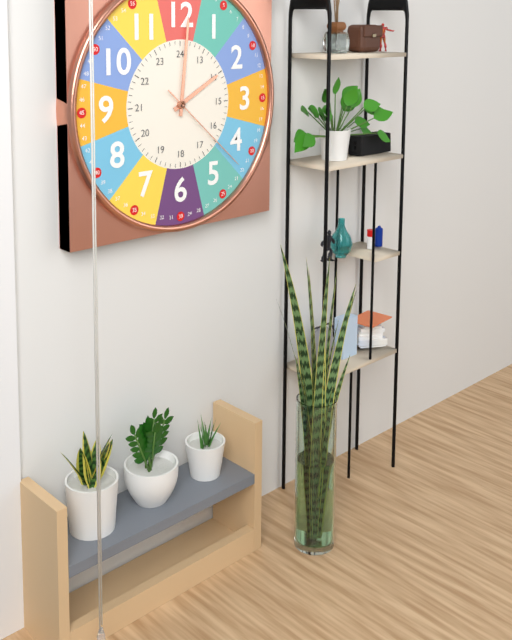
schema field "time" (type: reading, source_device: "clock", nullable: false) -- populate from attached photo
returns 2:01:22
